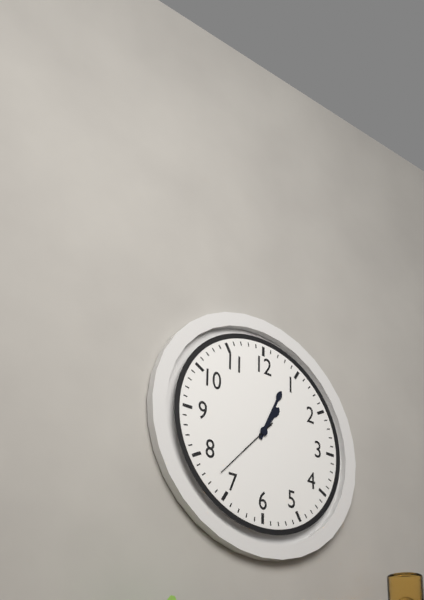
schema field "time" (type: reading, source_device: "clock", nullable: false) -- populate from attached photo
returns 1:04:37
